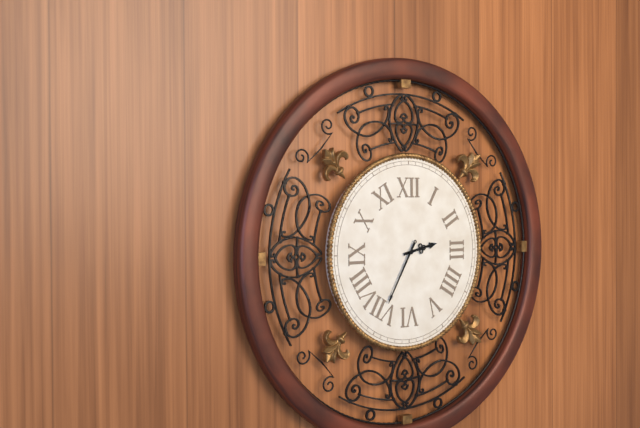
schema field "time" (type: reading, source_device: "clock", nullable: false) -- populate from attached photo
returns 2:35
